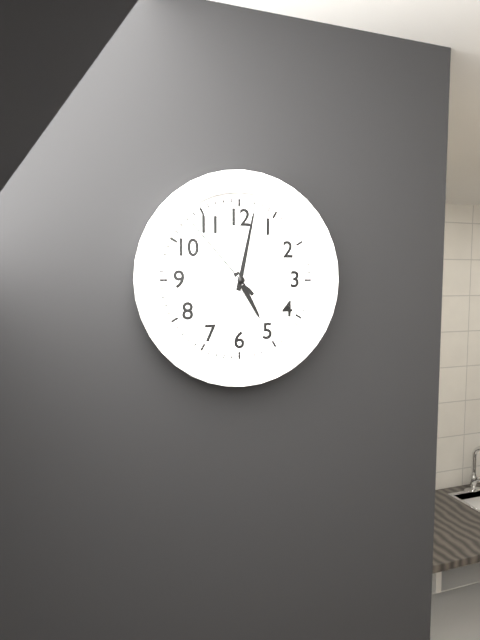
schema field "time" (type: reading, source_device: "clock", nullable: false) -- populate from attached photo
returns 5:02:53
